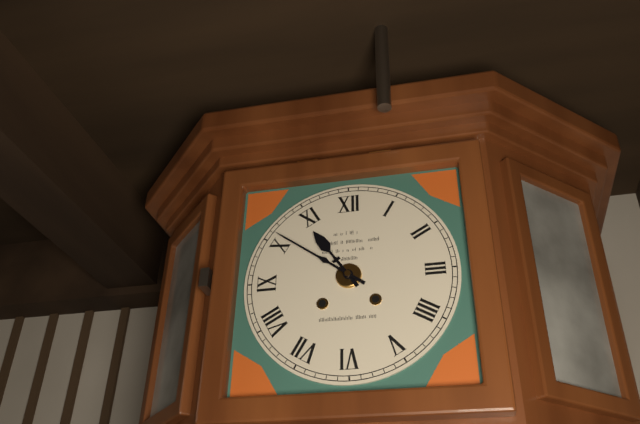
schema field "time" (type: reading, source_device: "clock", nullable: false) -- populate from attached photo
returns 10:51
